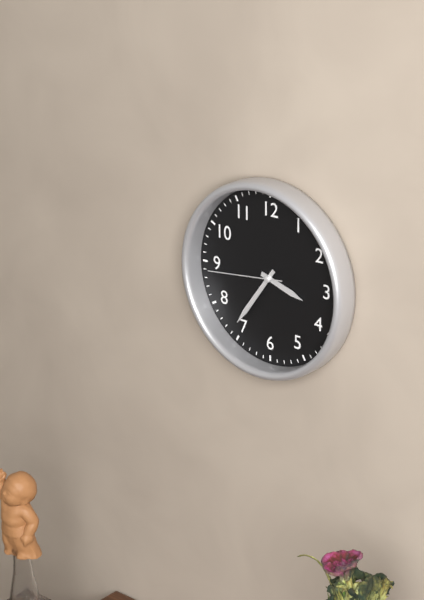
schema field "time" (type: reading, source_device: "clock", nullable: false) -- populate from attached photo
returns 3:36:44
